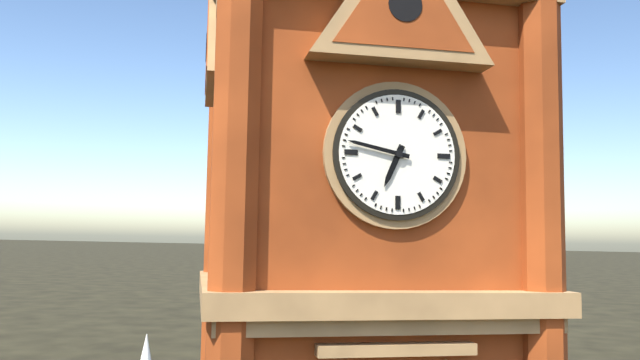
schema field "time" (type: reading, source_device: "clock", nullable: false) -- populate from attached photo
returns 6:47
